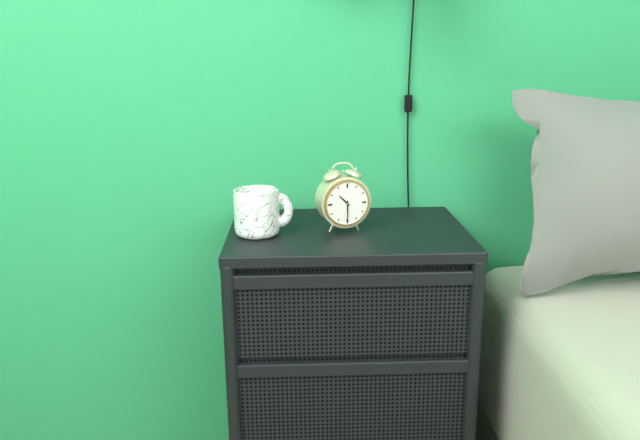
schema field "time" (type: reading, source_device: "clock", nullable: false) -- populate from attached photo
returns 10:30
